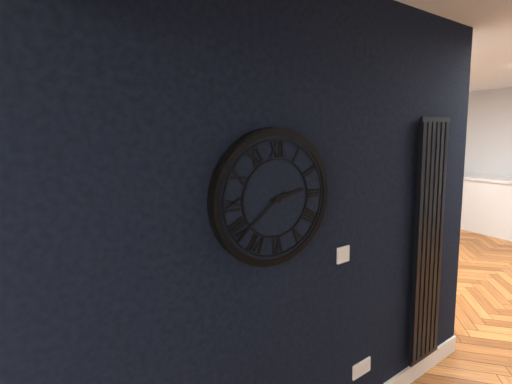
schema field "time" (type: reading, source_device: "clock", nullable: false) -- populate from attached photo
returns 2:39
